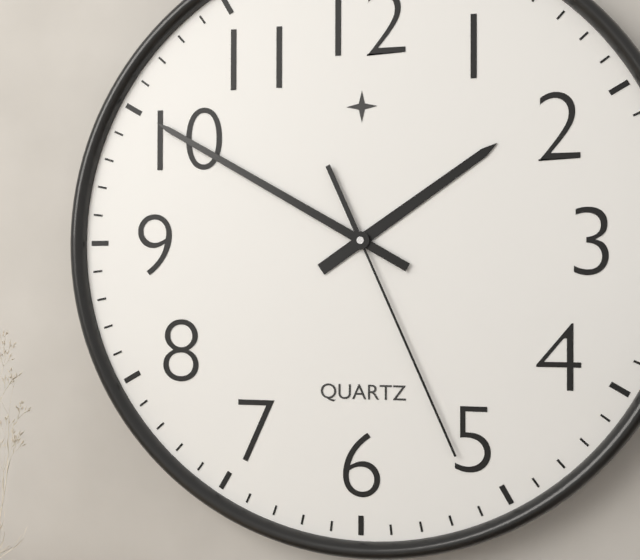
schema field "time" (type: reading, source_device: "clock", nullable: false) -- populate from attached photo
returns 1:50:26
